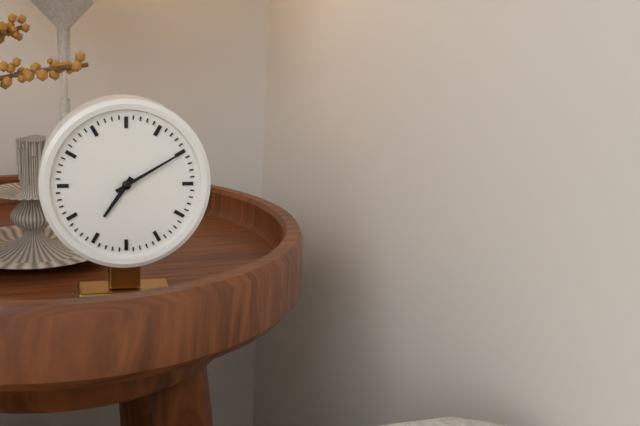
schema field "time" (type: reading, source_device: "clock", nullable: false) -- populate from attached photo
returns 7:10
